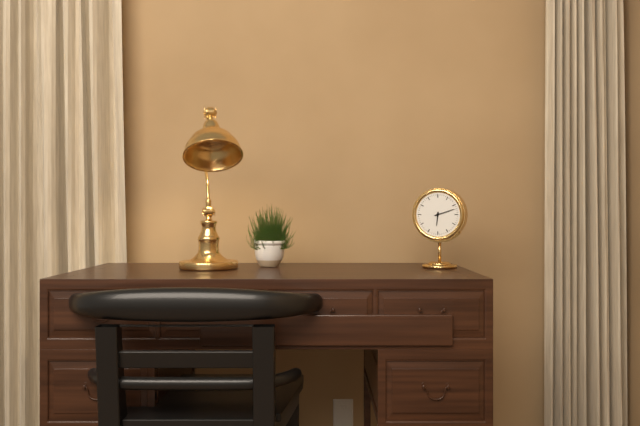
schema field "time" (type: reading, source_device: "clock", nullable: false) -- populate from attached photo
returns 6:12
